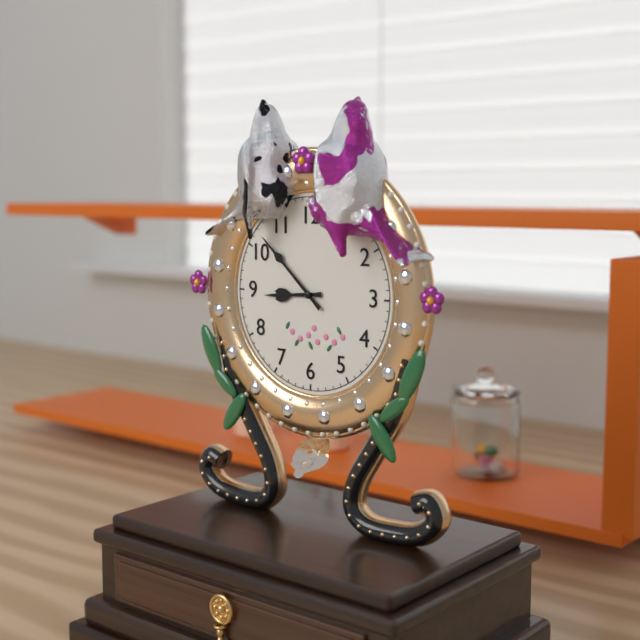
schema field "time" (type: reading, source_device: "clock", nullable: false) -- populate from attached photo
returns 8:52
